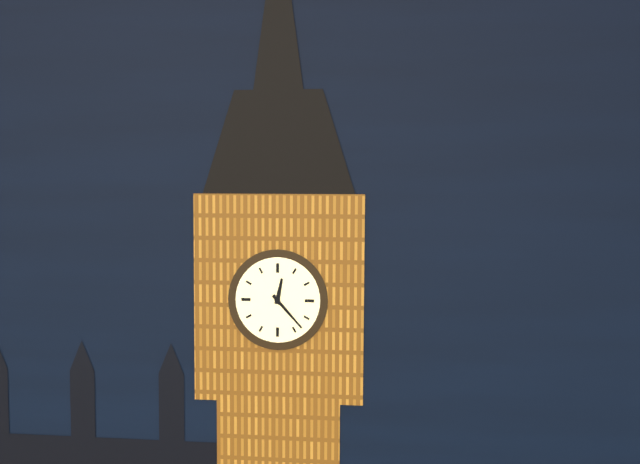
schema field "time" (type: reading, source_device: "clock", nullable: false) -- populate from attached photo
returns 12:23
